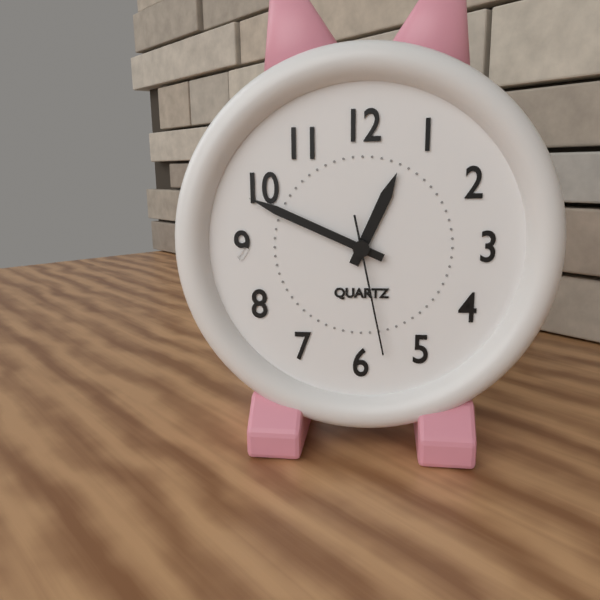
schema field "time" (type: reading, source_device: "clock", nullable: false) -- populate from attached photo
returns 12:49:28
